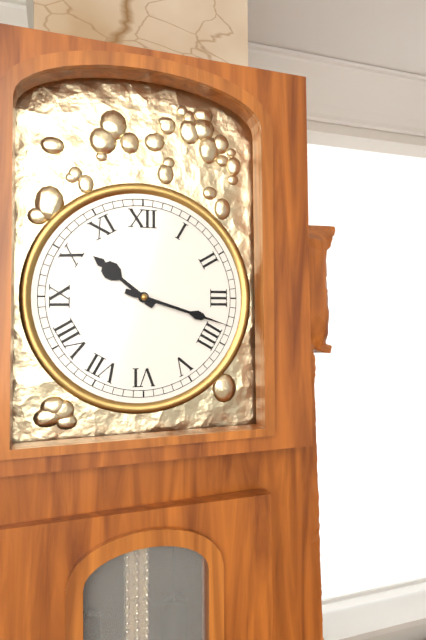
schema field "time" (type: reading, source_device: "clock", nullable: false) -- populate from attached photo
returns 10:18
